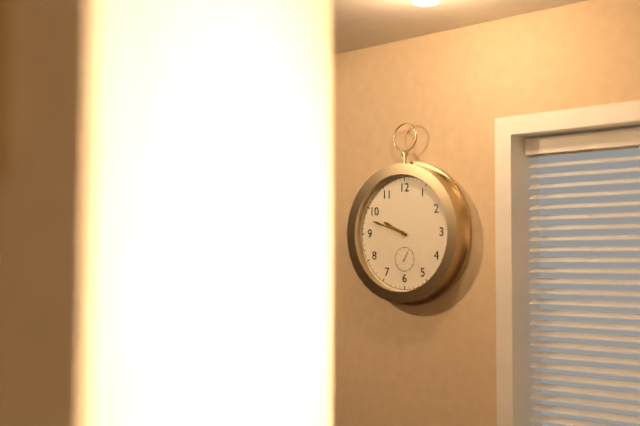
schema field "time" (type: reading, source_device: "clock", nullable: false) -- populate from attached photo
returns 9:48
